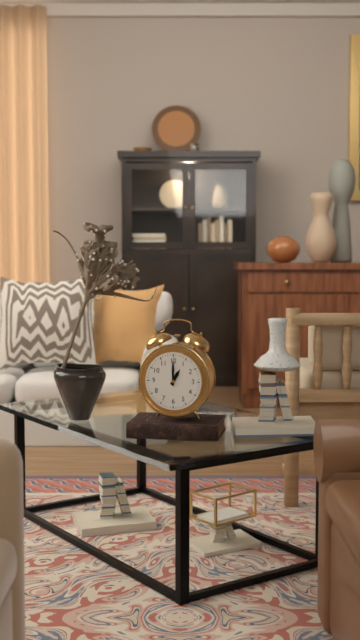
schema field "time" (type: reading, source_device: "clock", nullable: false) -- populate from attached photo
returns 1:00
